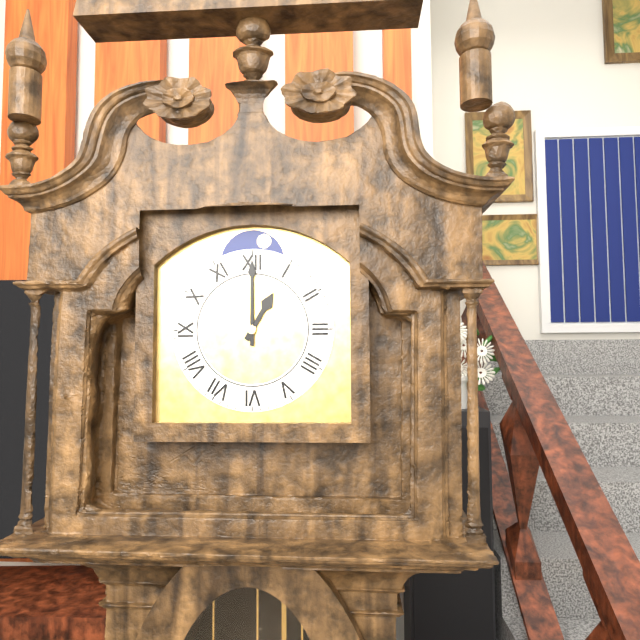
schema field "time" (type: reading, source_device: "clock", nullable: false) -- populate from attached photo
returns 1:00
